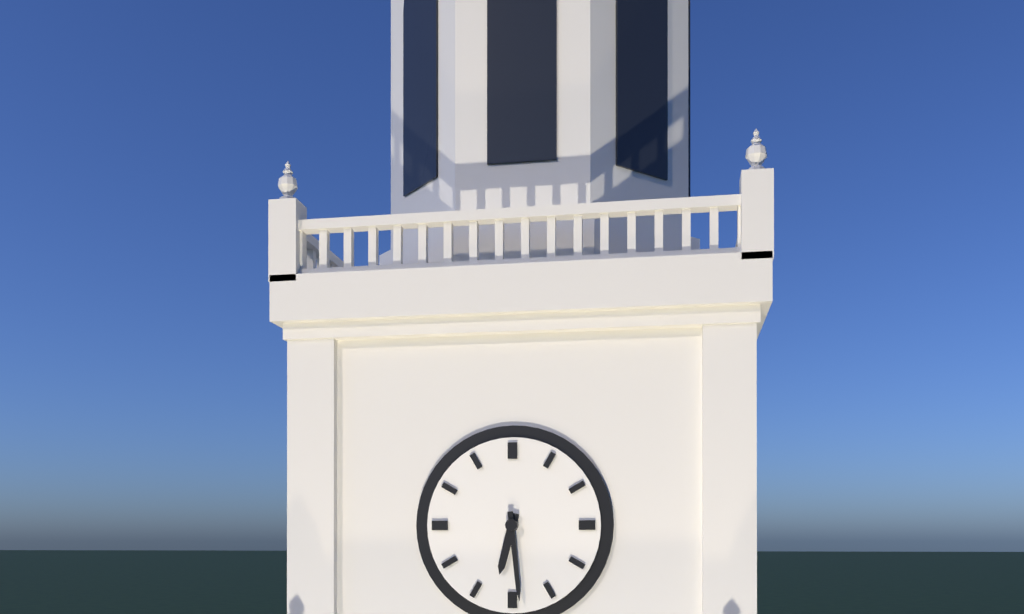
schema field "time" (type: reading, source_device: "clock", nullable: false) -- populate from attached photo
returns 6:29
